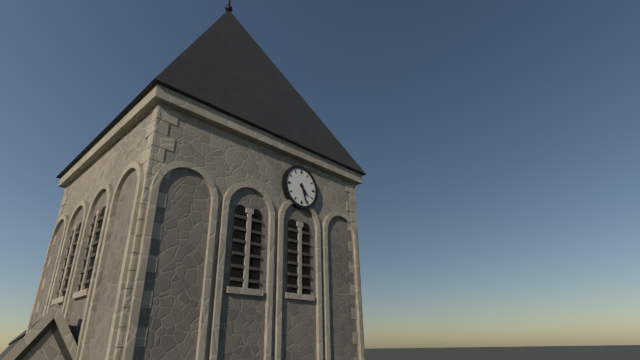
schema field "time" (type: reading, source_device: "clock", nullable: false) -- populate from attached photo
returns 4:27
